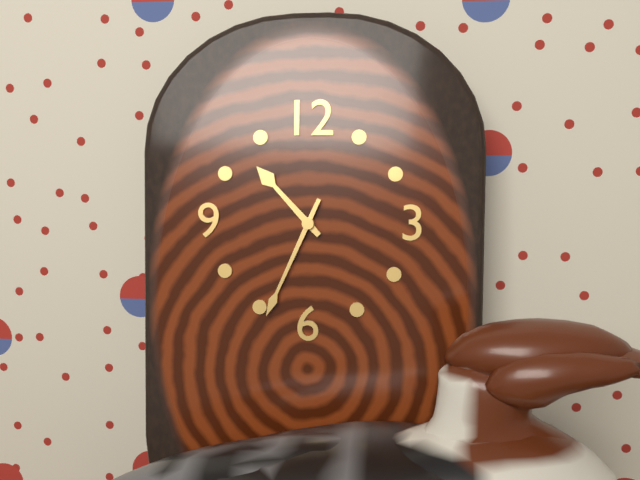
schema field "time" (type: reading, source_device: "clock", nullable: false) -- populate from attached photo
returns 10:34
